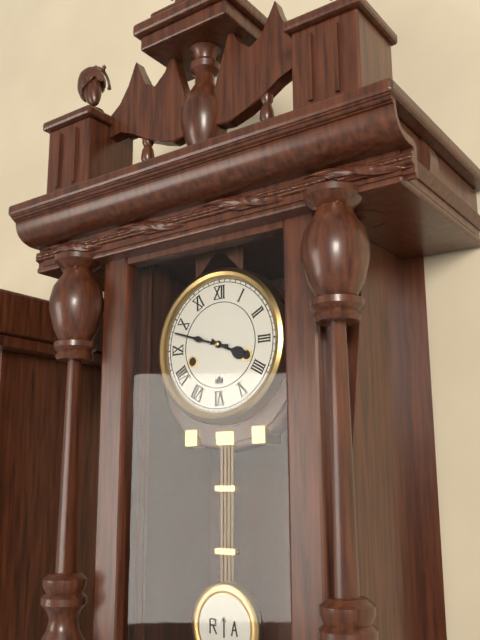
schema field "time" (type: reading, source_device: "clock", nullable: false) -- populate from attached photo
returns 3:48
